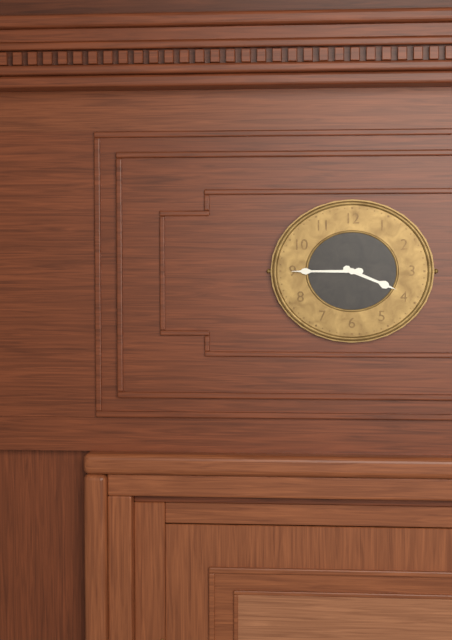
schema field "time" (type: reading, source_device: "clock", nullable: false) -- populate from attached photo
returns 3:45
